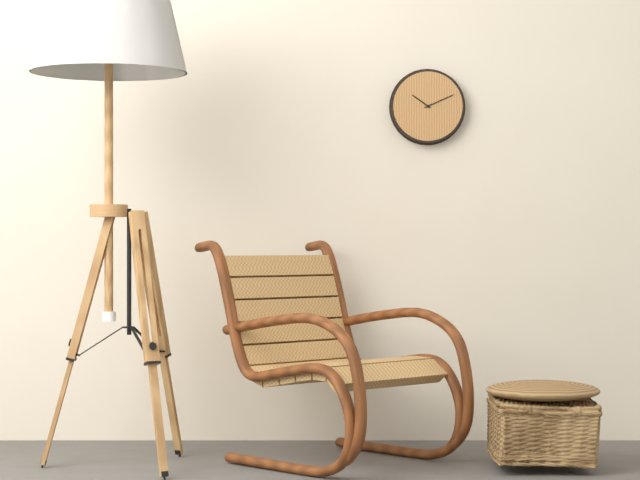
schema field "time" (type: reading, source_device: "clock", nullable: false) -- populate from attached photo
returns 10:11
